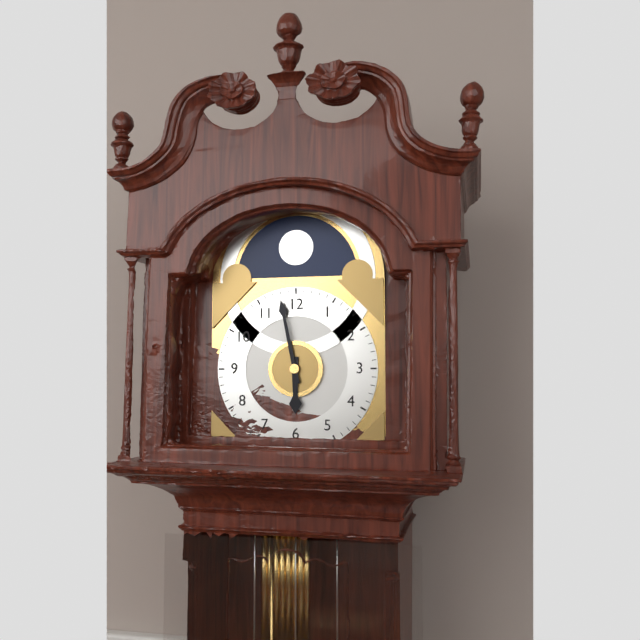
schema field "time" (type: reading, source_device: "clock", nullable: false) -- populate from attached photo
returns 5:58
